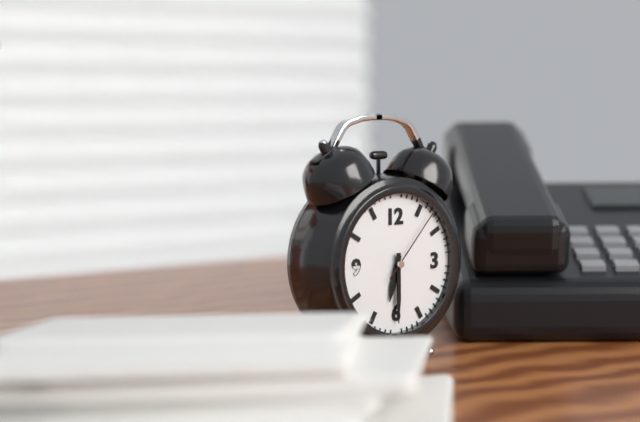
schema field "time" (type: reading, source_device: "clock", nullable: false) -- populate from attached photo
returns 6:30:07
